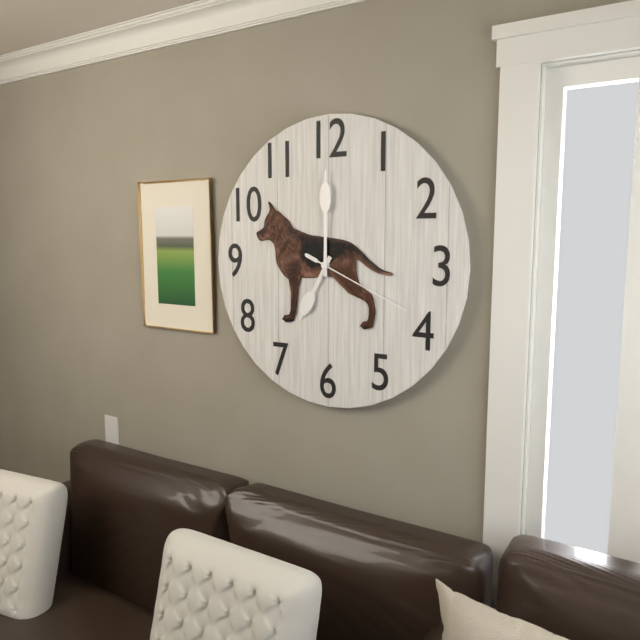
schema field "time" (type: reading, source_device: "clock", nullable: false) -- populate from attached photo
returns 7:00:19
